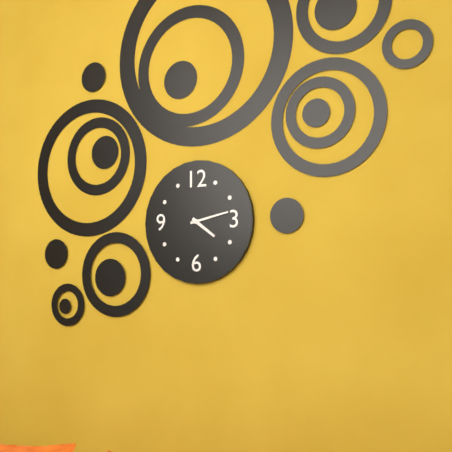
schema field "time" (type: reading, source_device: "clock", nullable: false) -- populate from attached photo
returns 4:13
